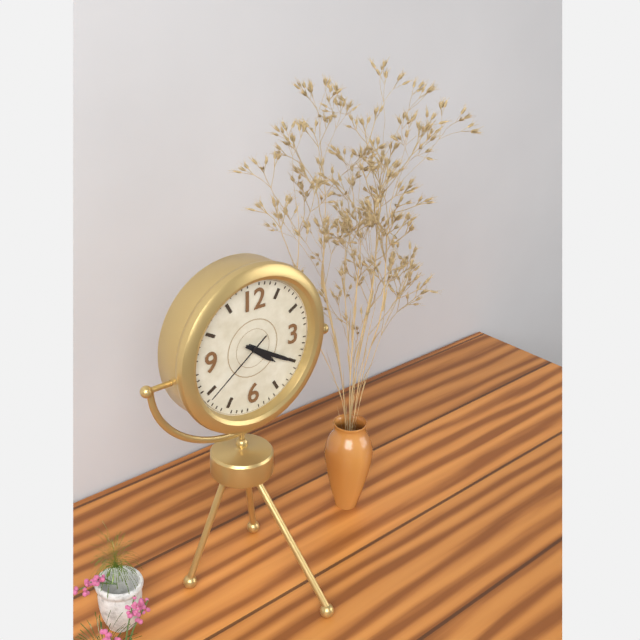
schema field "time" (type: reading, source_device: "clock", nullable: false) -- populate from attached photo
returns 4:20:39
